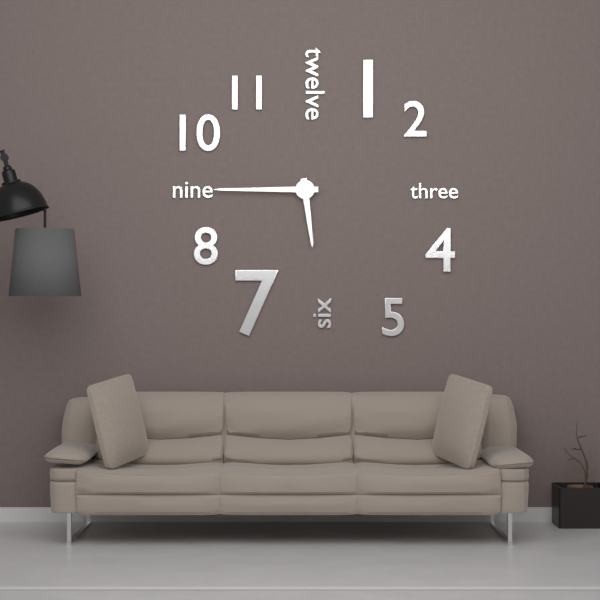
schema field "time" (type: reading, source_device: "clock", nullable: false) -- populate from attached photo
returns 5:45
